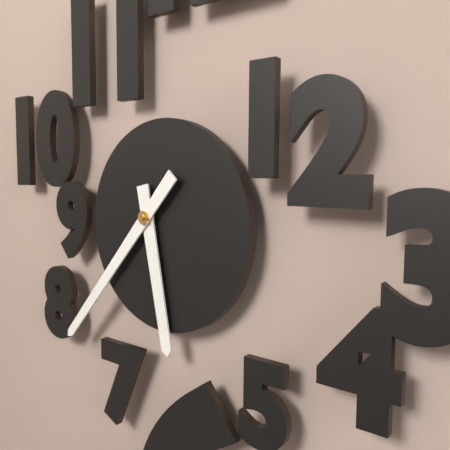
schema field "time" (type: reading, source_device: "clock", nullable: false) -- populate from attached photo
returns 5:37
